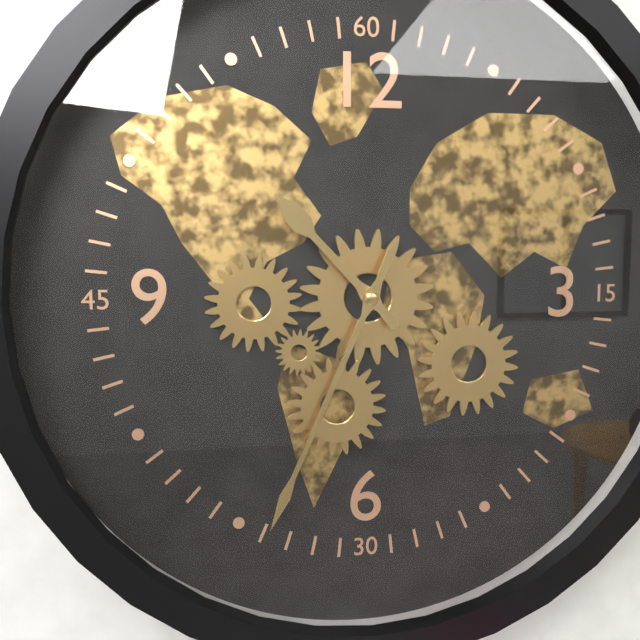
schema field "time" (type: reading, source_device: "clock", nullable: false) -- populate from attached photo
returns 10:34
